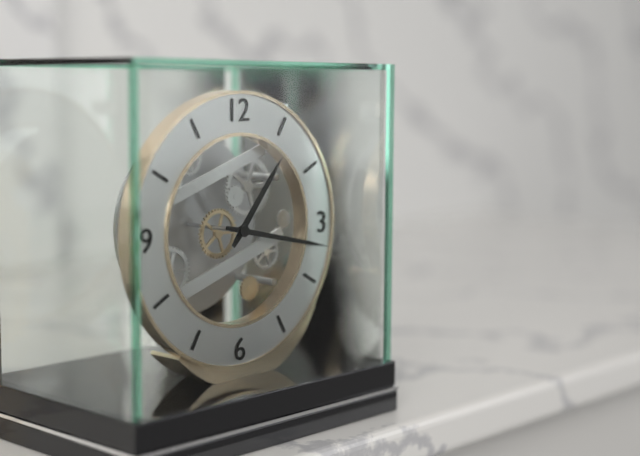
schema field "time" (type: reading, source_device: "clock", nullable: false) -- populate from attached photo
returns 1:17
